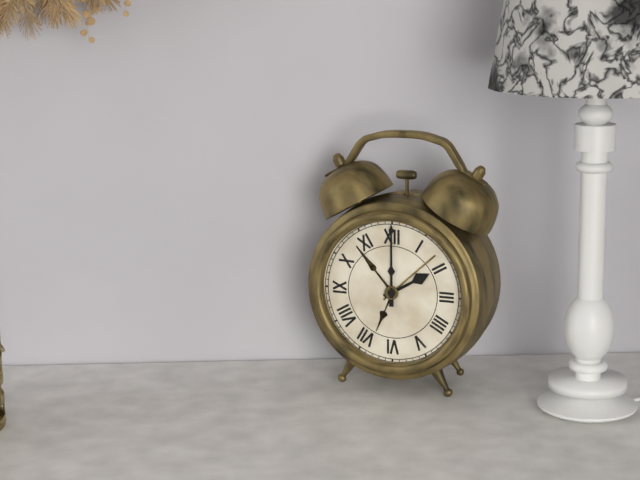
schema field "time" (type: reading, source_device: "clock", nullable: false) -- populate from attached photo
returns 2:00
